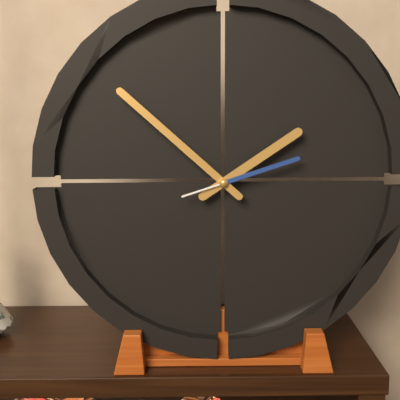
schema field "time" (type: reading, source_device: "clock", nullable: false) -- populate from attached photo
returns 1:52:12
